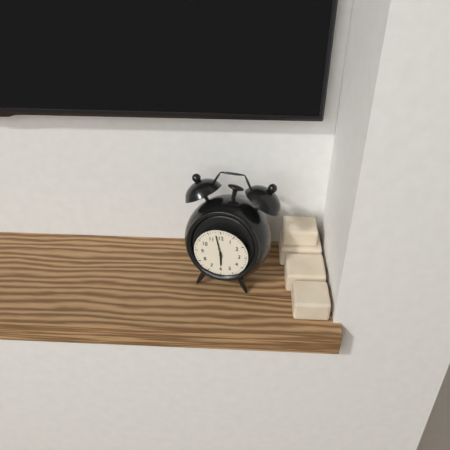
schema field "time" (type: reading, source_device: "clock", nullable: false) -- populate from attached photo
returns 5:58
